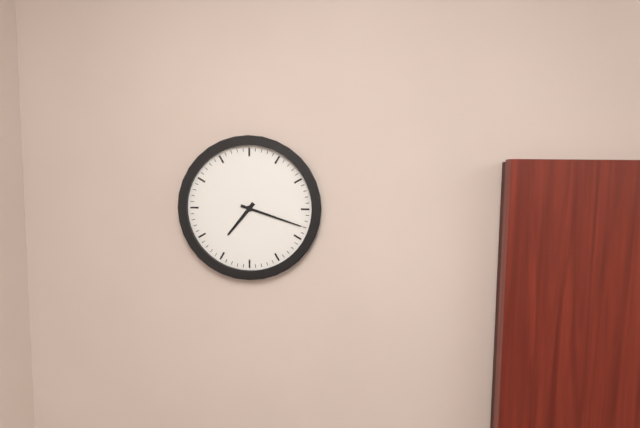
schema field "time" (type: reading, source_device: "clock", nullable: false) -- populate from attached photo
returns 7:18
